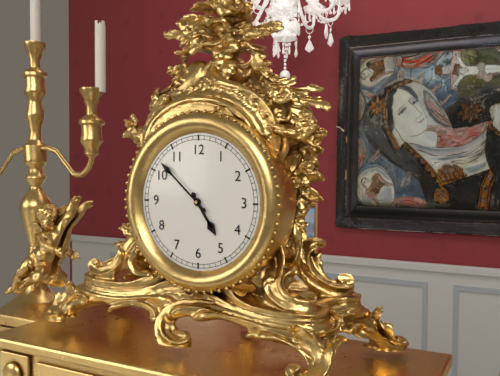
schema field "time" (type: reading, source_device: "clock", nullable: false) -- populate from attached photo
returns 4:52
